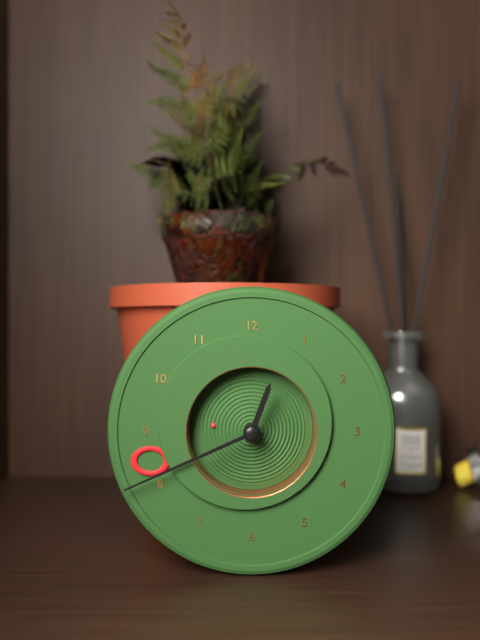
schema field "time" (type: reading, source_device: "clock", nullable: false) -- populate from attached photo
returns 12:41:46
